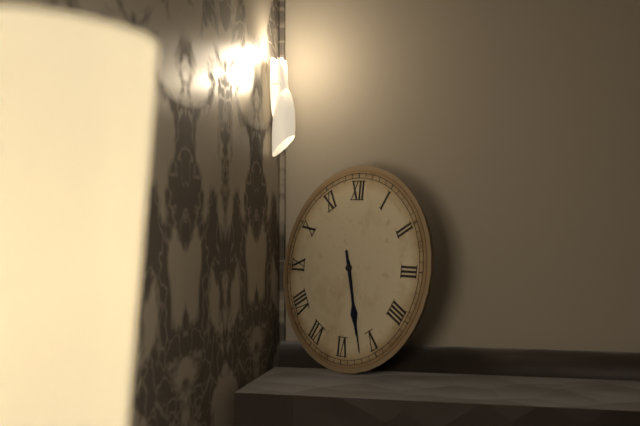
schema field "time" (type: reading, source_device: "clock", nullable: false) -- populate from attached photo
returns 5:27
